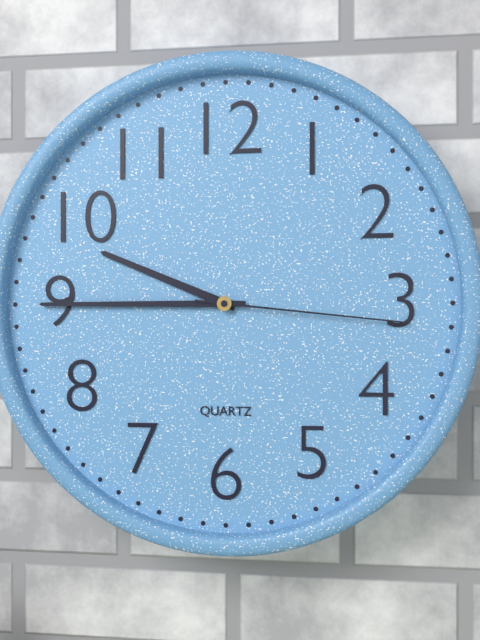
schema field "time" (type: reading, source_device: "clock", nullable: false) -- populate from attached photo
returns 9:45:16
